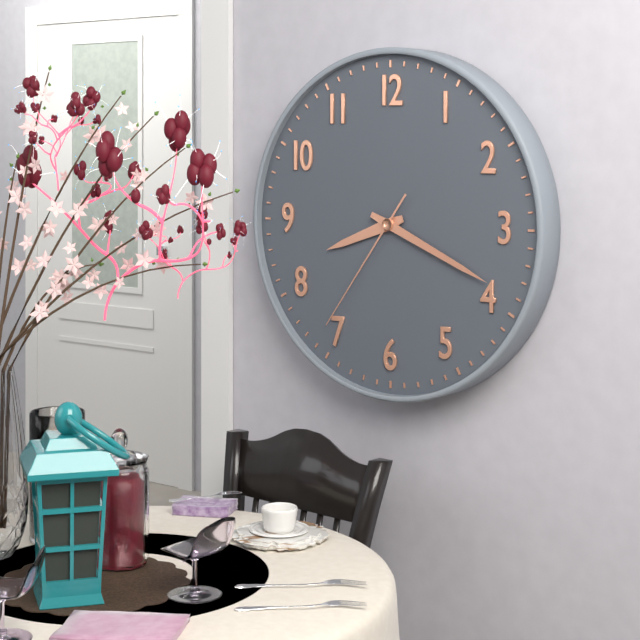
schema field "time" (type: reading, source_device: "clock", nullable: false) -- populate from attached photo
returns 8:19:36
